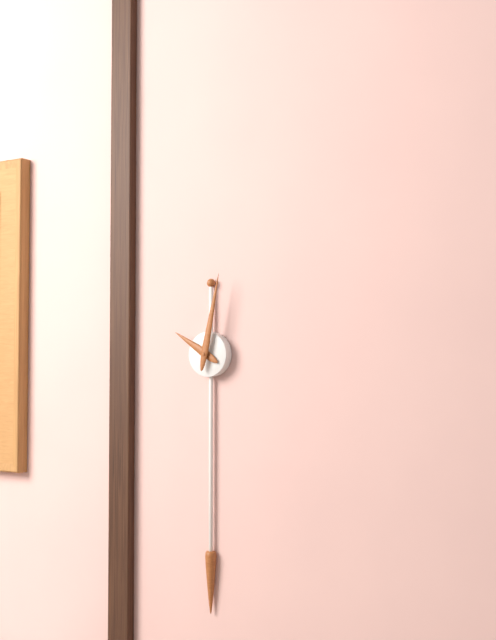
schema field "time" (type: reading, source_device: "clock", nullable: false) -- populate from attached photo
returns 10:02
